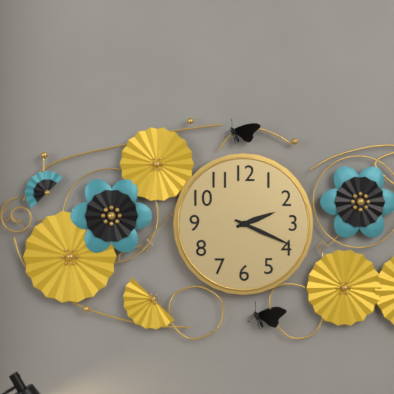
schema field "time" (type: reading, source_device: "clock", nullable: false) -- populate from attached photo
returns 2:19
